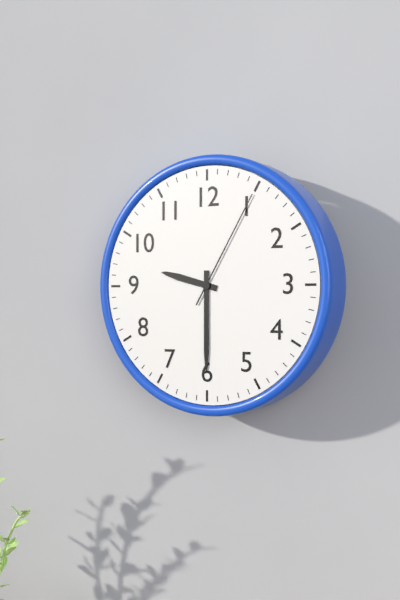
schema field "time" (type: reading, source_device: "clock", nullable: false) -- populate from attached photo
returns 9:30:05
